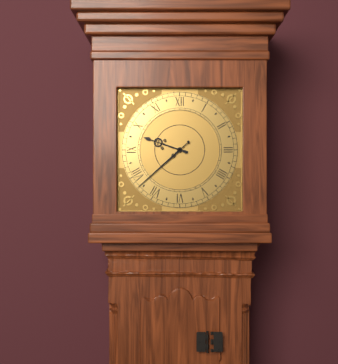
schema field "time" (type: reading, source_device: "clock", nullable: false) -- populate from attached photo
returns 9:38
